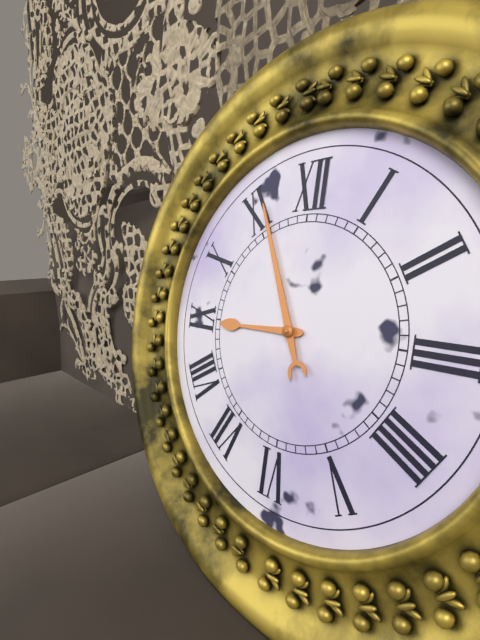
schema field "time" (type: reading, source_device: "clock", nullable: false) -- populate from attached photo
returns 8:56
